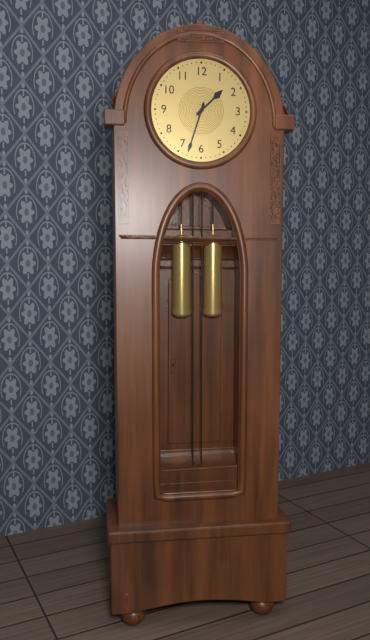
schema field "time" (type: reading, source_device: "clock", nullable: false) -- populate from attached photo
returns 1:33
